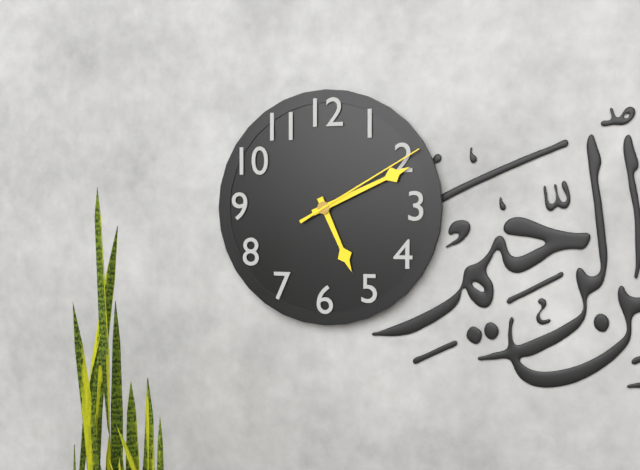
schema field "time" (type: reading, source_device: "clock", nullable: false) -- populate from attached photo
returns 5:11:10
